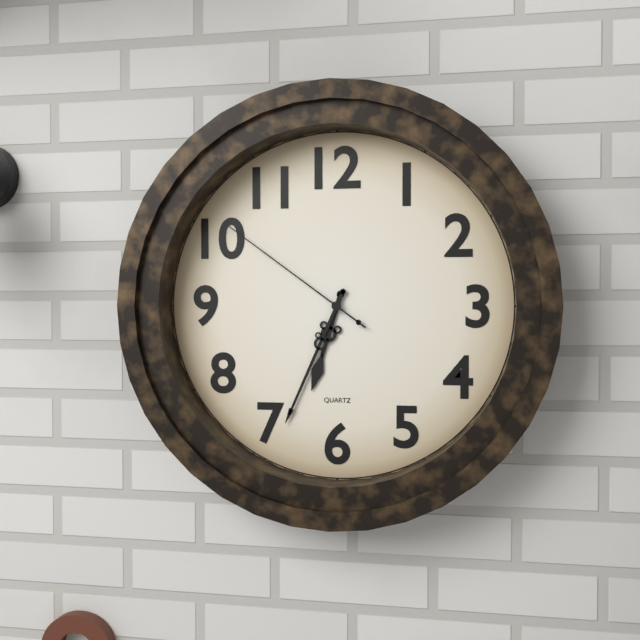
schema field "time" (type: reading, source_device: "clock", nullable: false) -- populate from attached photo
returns 6:34:51
